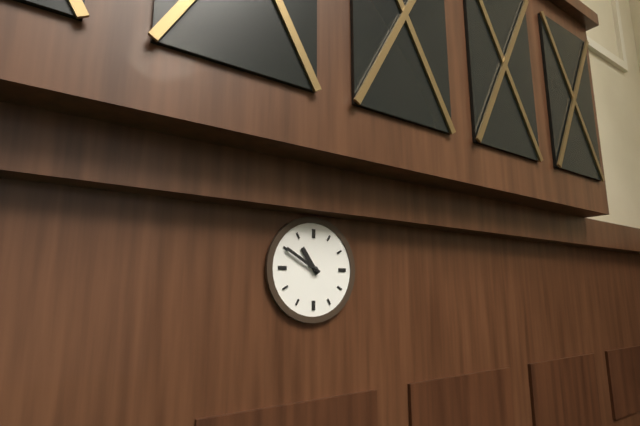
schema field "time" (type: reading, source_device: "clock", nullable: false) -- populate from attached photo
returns 10:50
